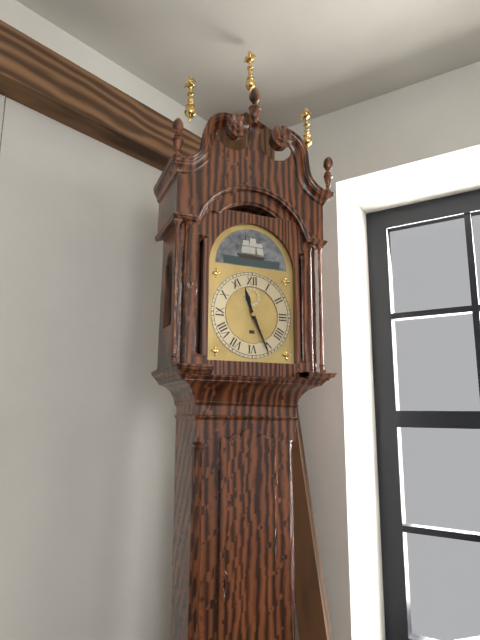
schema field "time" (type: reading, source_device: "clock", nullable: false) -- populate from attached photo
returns 11:26
